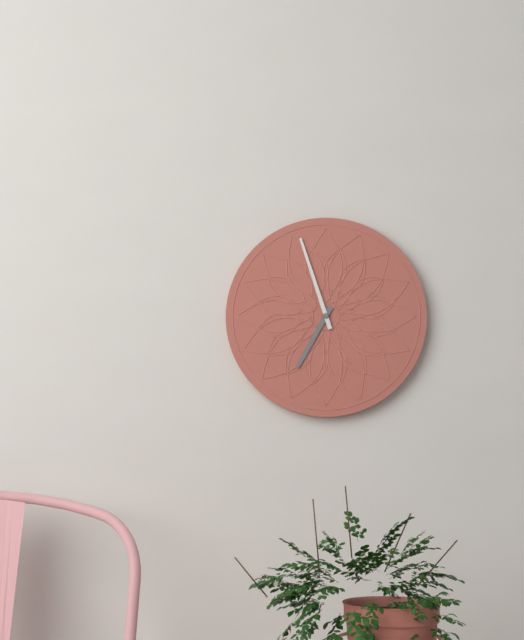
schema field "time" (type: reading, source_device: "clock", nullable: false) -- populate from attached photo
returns 6:57
